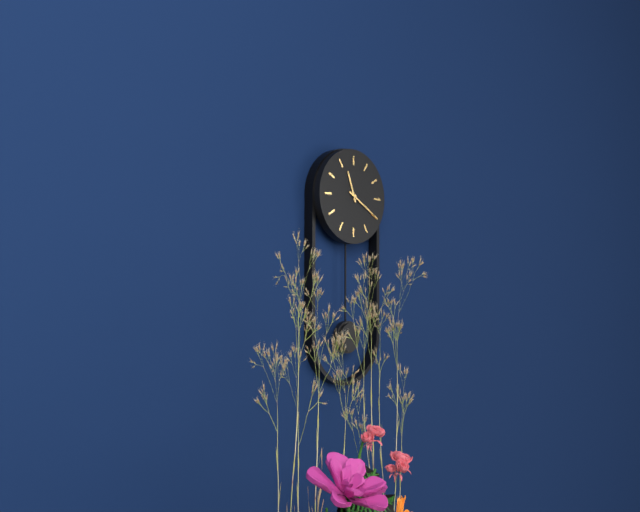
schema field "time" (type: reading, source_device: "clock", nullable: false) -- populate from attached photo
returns 11:20
